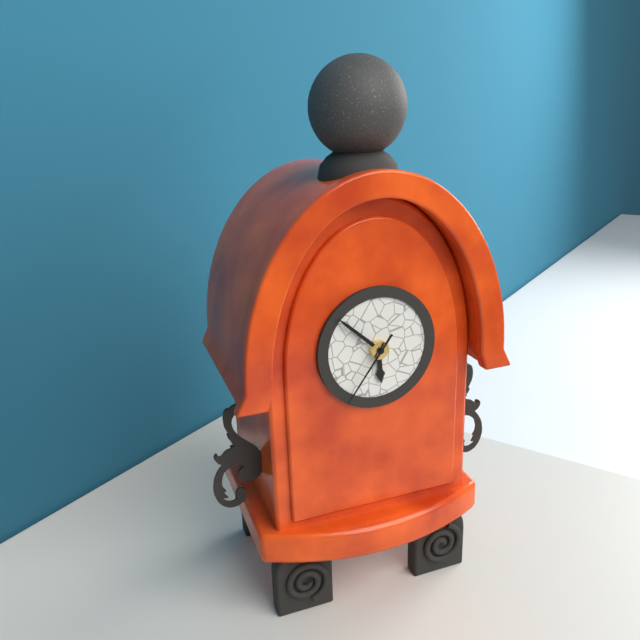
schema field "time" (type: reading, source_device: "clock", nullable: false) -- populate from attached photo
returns 5:52:36
